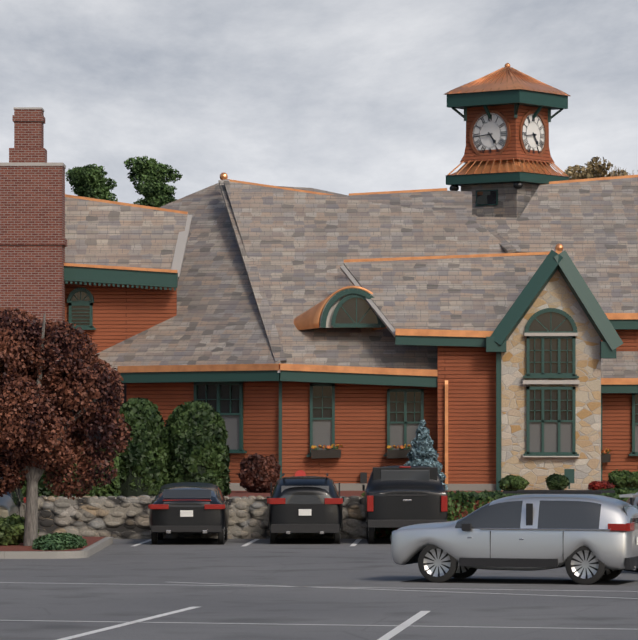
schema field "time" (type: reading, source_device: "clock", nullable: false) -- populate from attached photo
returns 4:44
